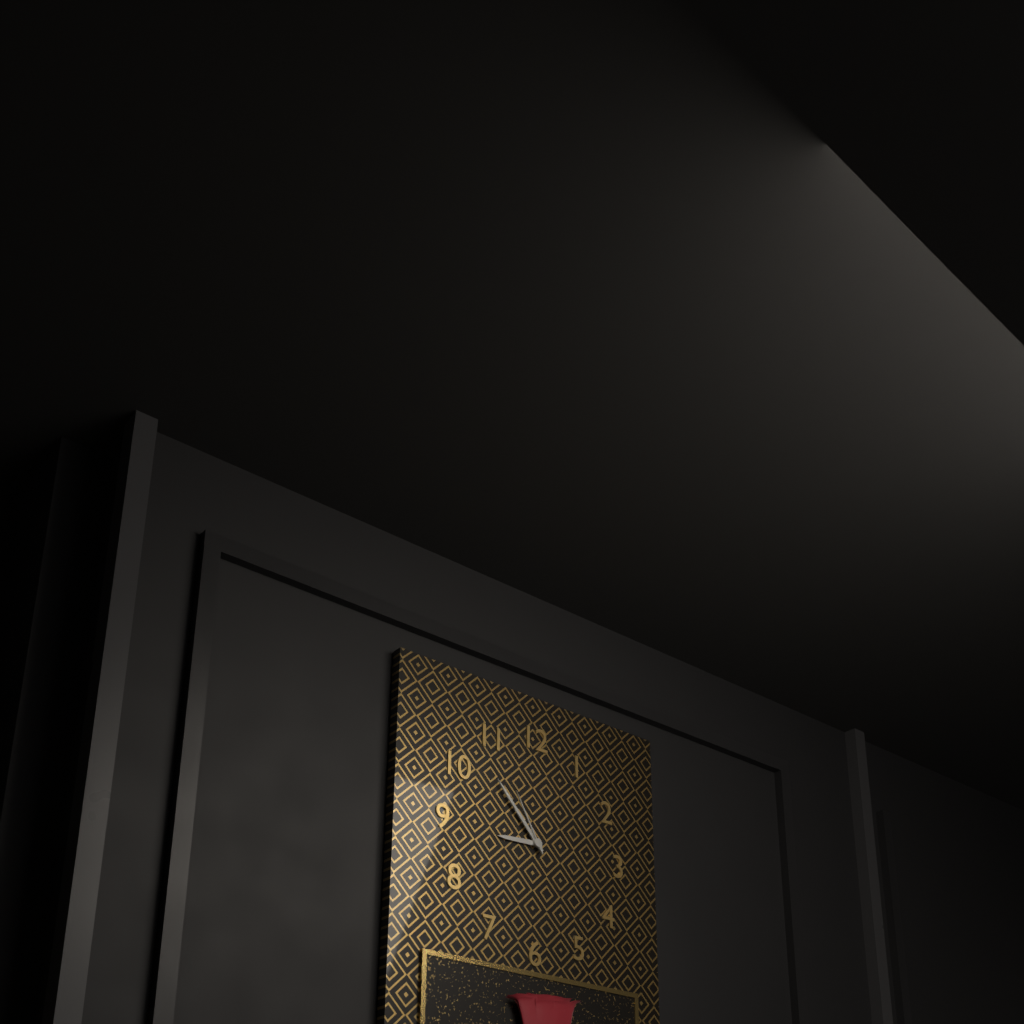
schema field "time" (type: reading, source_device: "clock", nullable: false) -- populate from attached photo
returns 8:53:55
